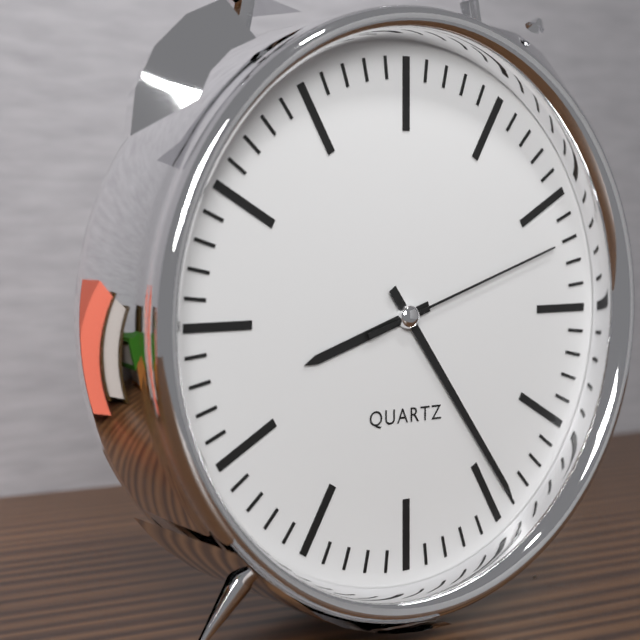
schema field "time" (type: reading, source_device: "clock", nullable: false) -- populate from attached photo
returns 8:24:12
